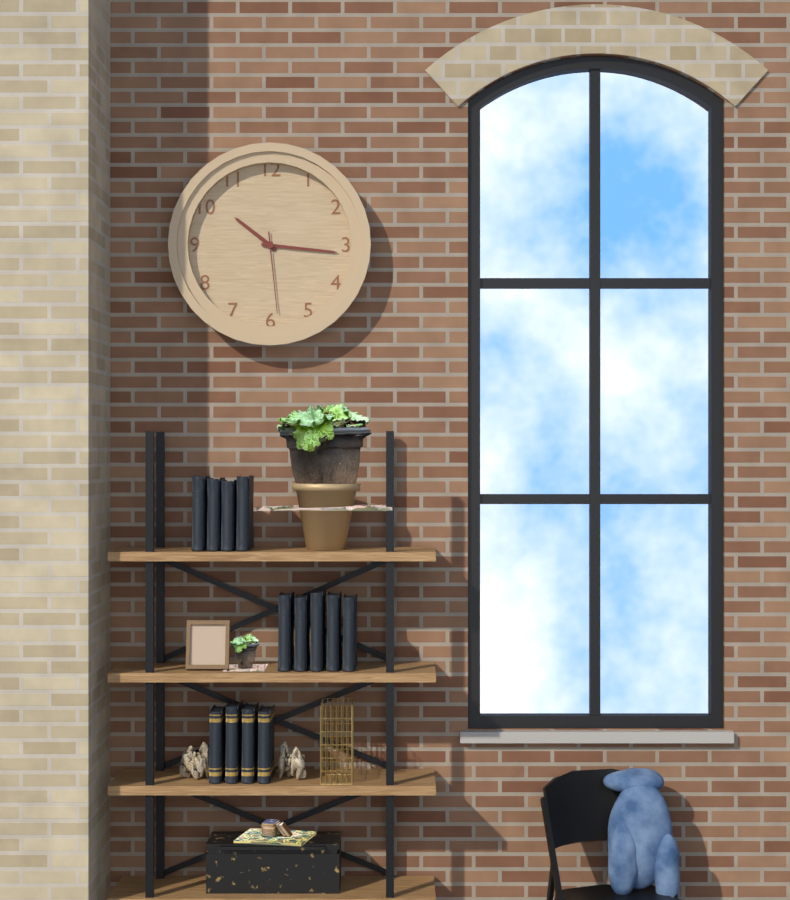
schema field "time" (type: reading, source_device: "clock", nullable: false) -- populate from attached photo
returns 10:16:29
